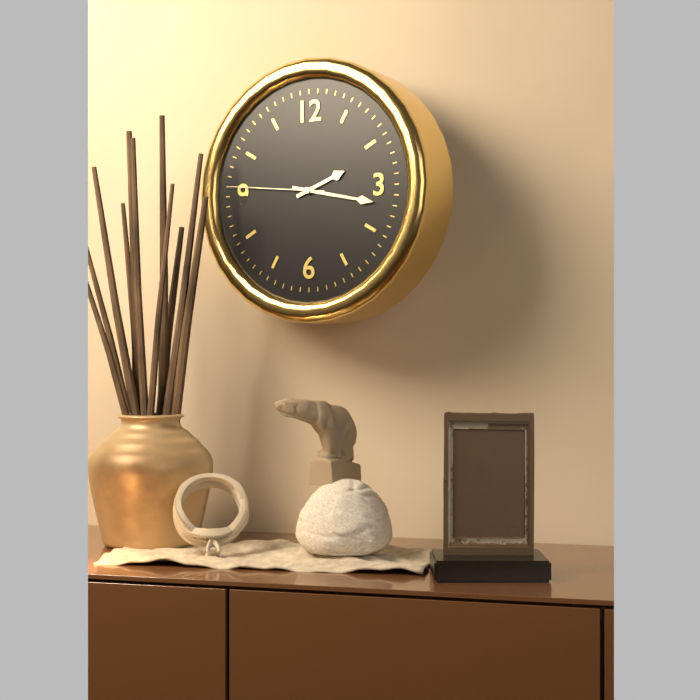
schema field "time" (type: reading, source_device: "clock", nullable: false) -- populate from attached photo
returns 2:17:46
